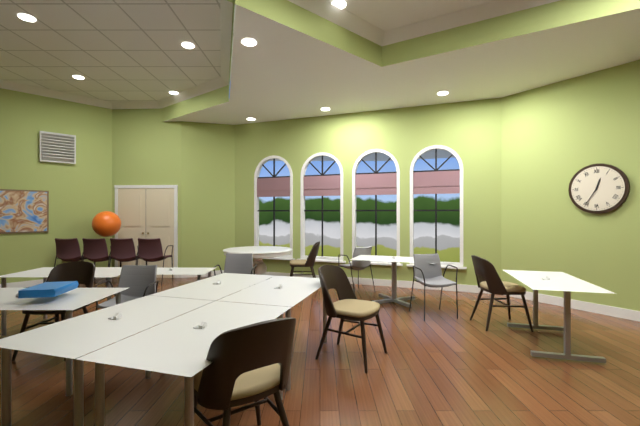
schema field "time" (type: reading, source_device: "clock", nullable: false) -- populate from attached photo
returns 12:35
